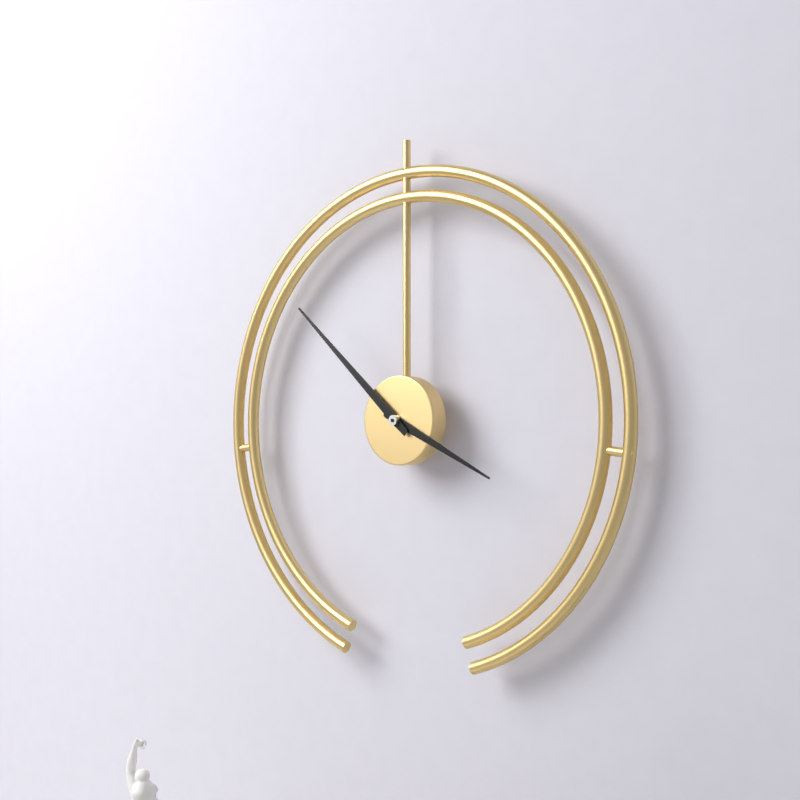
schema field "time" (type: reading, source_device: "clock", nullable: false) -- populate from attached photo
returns 3:52
